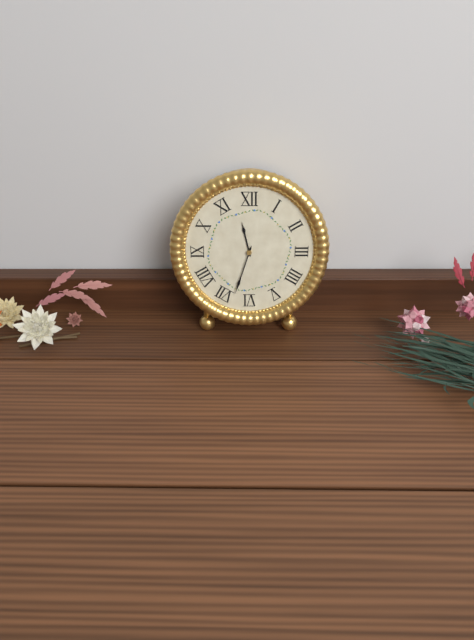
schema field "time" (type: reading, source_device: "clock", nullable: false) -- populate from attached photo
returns 11:33
